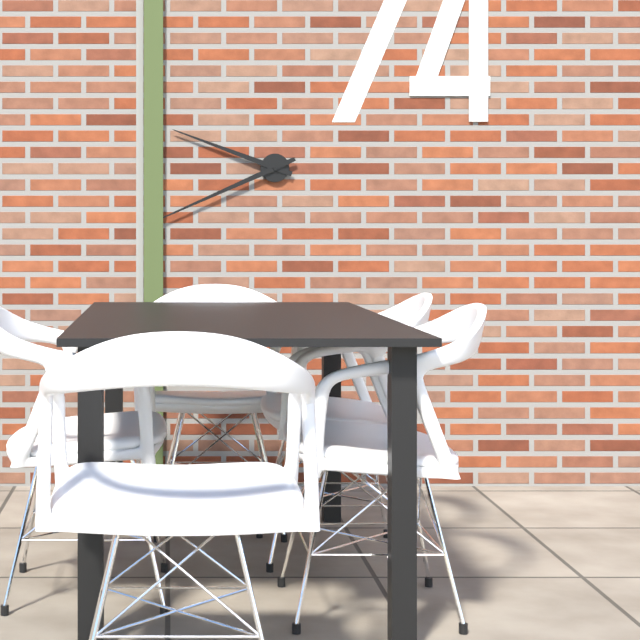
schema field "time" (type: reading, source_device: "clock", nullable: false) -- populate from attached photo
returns 9:41
